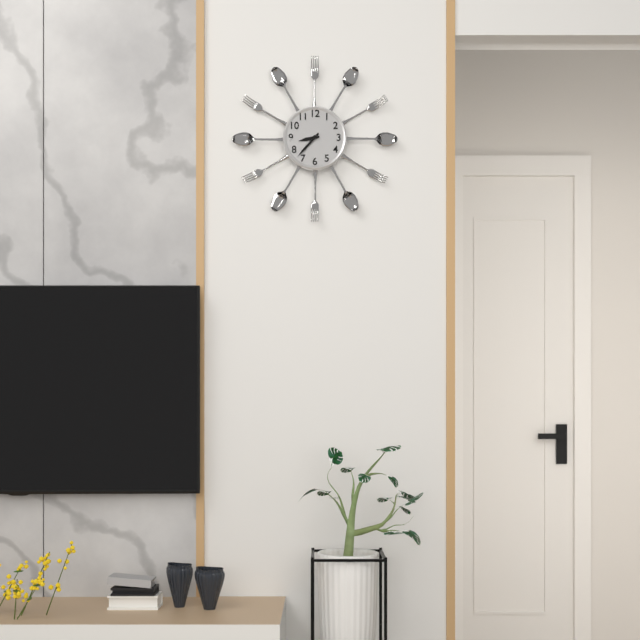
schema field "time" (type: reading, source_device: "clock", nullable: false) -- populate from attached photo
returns 8:37
